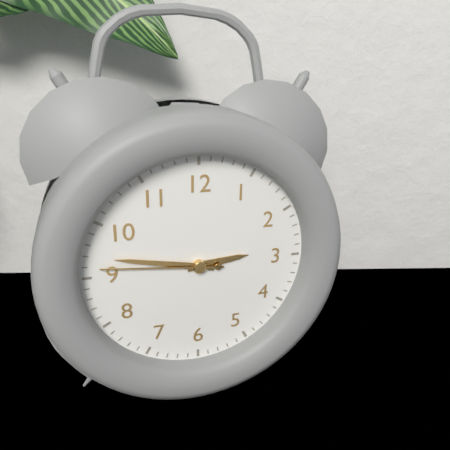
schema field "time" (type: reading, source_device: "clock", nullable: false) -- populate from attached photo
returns 2:47:46
